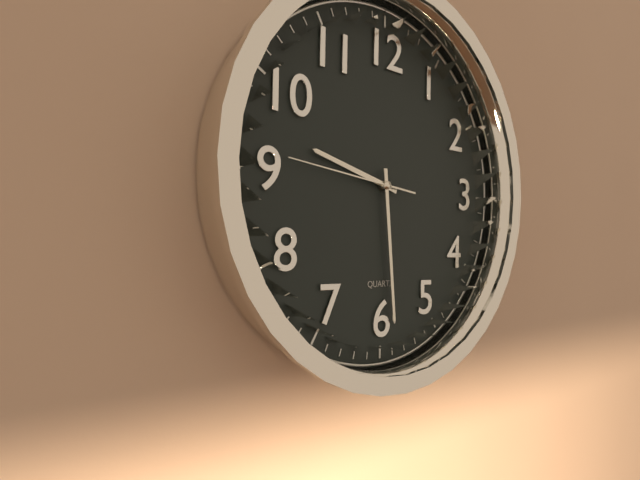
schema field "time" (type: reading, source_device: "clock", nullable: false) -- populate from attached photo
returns 9:29:46
